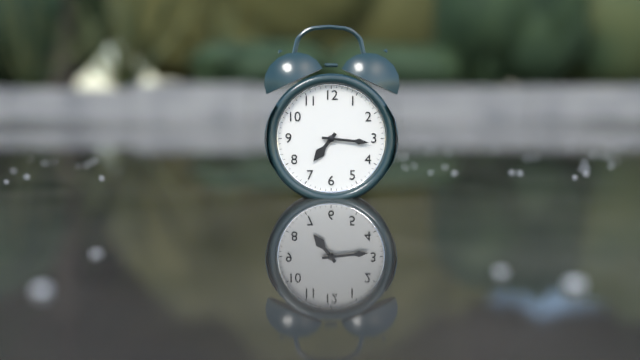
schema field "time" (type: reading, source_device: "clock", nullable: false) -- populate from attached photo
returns 7:16
